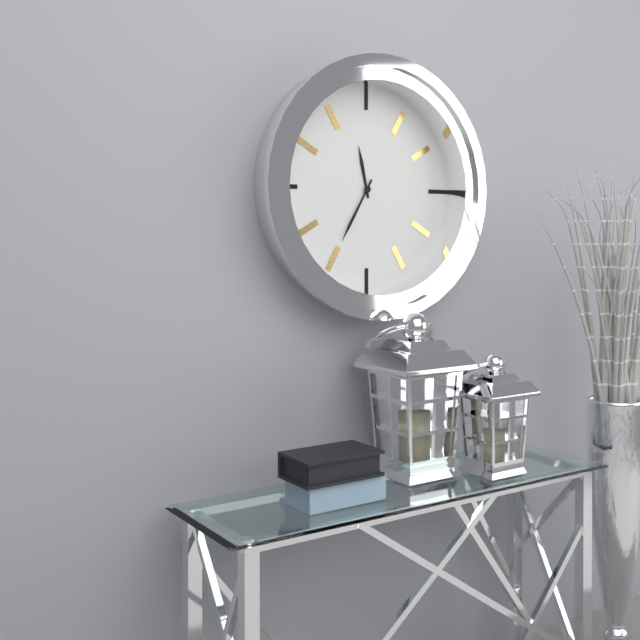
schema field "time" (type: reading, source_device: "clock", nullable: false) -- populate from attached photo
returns 11:35
